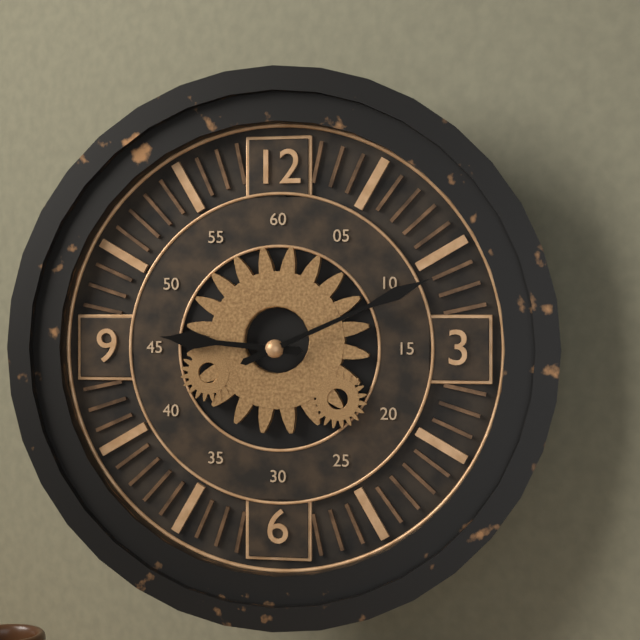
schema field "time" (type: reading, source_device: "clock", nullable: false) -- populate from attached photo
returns 9:11
